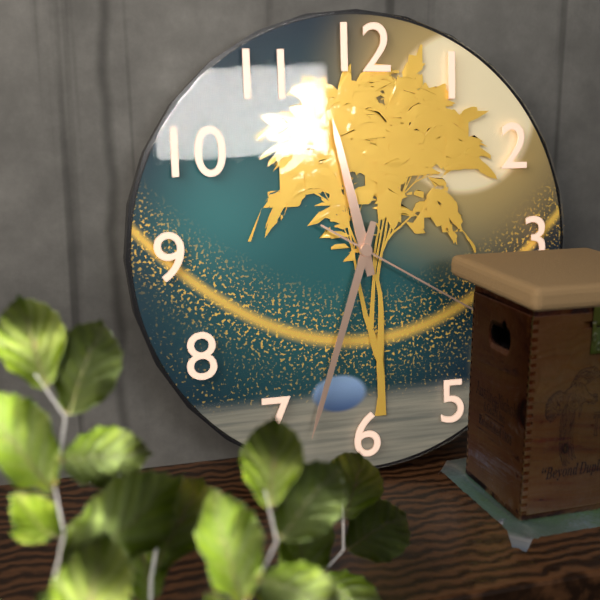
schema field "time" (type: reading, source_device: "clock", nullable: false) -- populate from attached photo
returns 11:33
